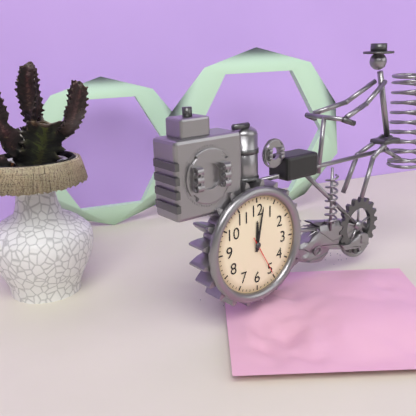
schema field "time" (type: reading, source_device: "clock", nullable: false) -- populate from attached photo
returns 12:02
